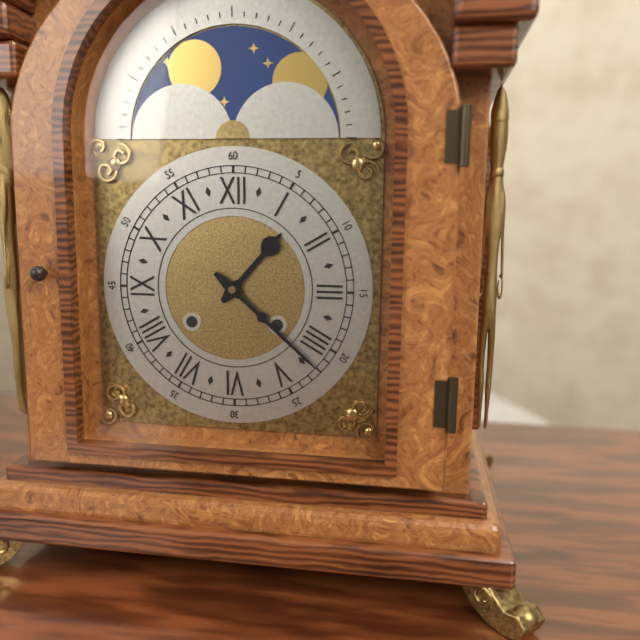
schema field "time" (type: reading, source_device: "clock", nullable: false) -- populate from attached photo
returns 1:22
